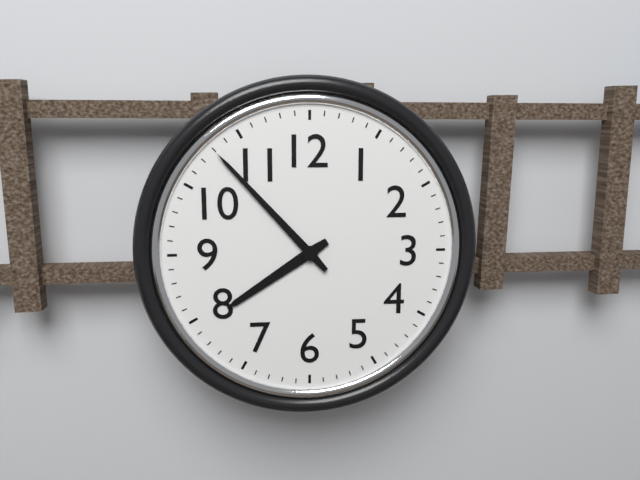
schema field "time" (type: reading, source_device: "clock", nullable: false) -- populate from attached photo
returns 7:53
